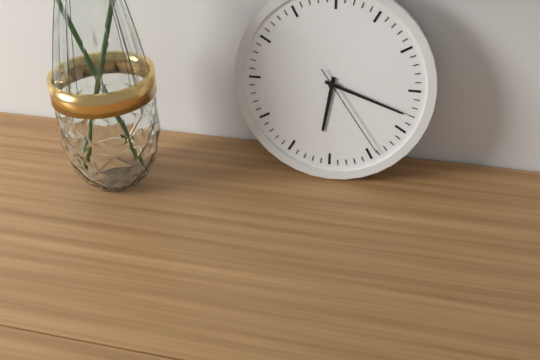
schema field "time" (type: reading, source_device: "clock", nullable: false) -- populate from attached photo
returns 6:18:24
